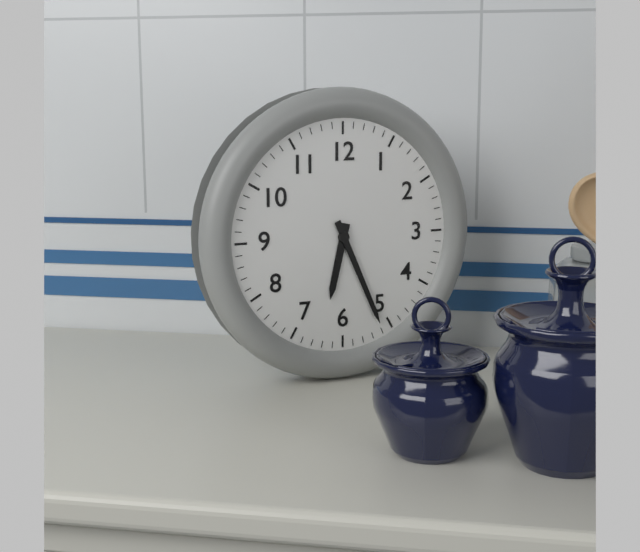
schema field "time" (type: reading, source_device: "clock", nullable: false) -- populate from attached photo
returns 6:26
